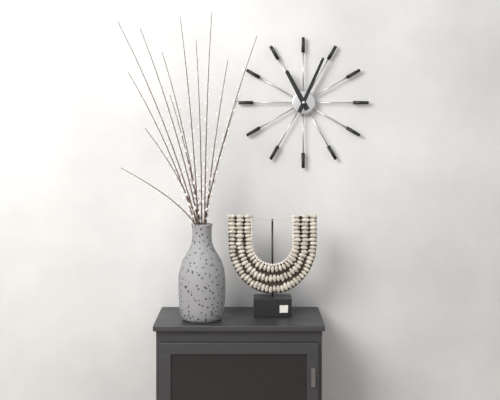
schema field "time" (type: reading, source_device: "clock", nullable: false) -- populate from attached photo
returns 11:04
